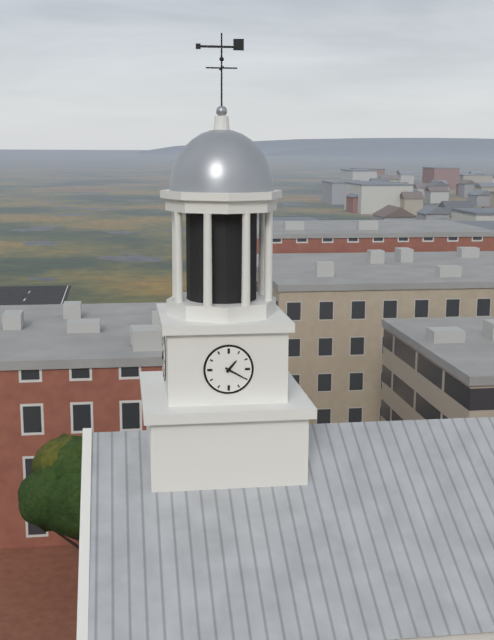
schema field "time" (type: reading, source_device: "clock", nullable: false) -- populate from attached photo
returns 1:20
